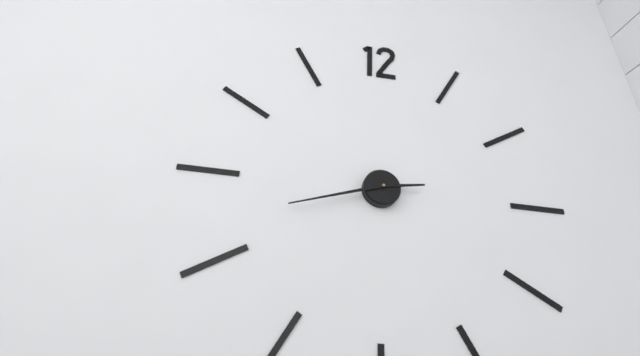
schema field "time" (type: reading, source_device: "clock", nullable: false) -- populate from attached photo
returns 2:42
